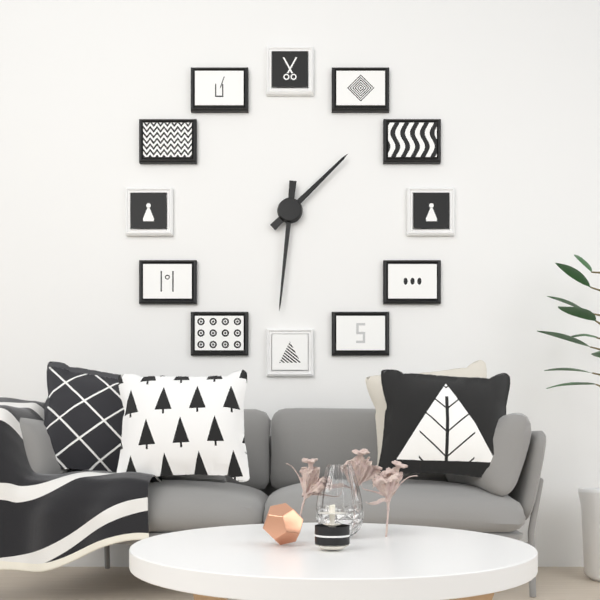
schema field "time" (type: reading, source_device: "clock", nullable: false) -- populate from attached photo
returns 1:31
